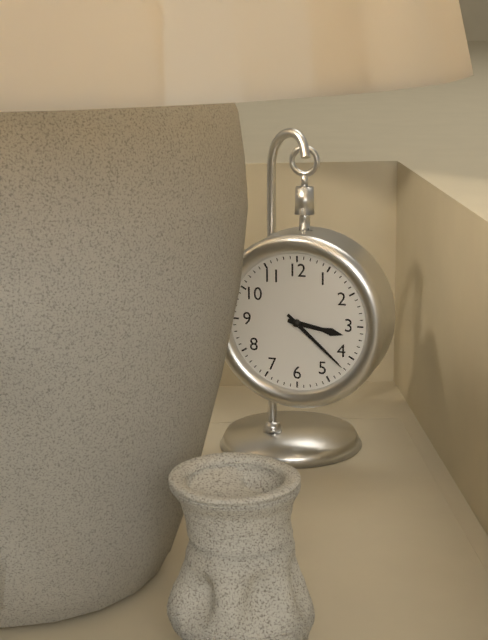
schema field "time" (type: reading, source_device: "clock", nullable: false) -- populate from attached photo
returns 3:22
